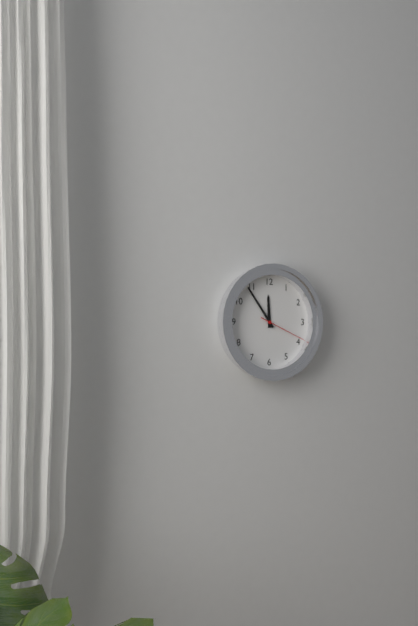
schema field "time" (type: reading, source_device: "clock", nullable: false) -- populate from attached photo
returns 11:54
